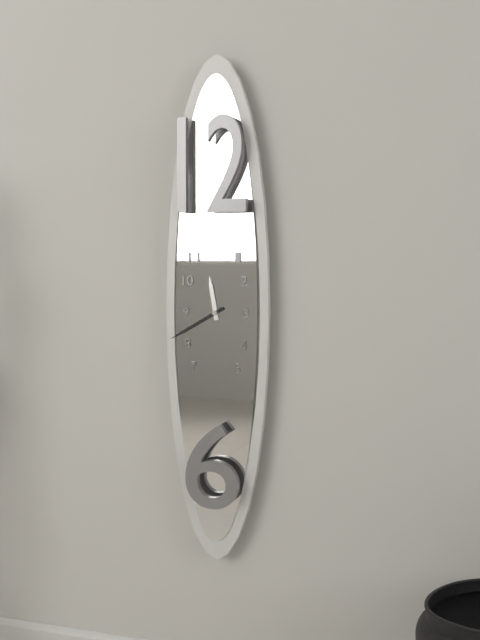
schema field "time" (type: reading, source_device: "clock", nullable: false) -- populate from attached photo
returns 11:40
